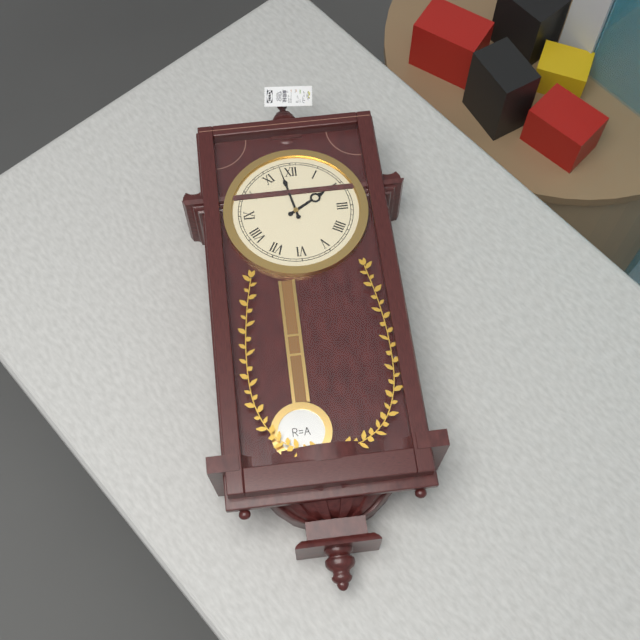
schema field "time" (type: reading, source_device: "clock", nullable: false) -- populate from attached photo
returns 1:58
